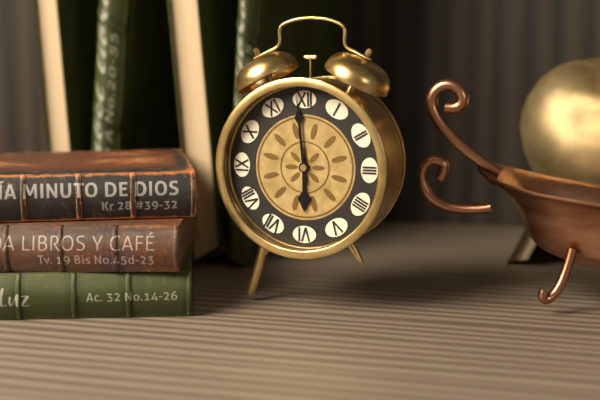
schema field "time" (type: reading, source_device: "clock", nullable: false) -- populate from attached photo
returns 5:59
